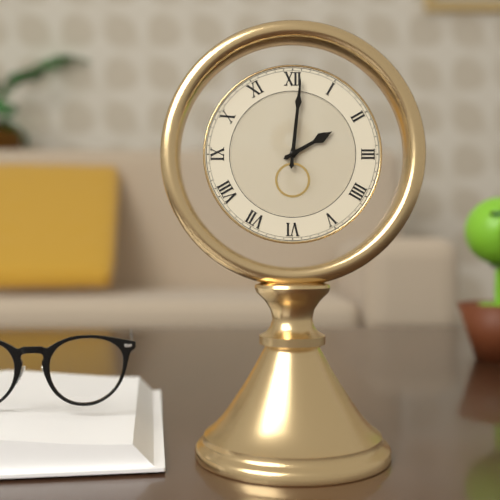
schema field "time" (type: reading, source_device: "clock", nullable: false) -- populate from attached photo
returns 2:01
